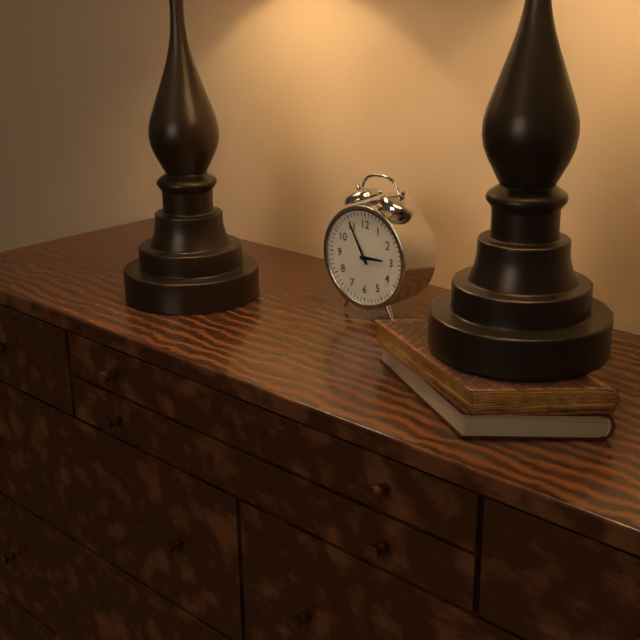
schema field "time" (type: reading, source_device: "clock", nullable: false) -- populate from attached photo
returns 2:55
